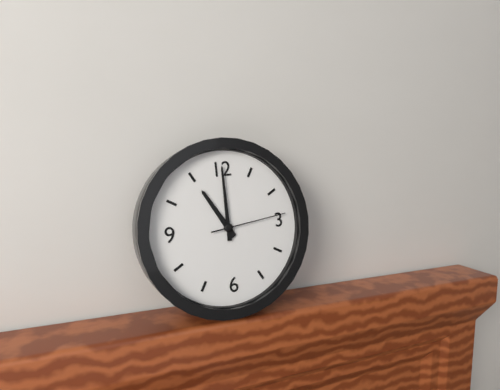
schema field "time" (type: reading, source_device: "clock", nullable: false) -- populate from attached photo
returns 11:00:14
